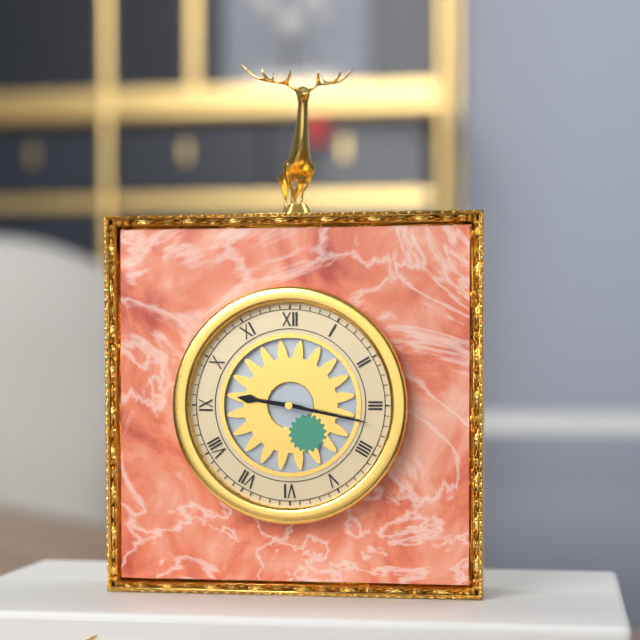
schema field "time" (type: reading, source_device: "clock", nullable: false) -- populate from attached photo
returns 9:17
